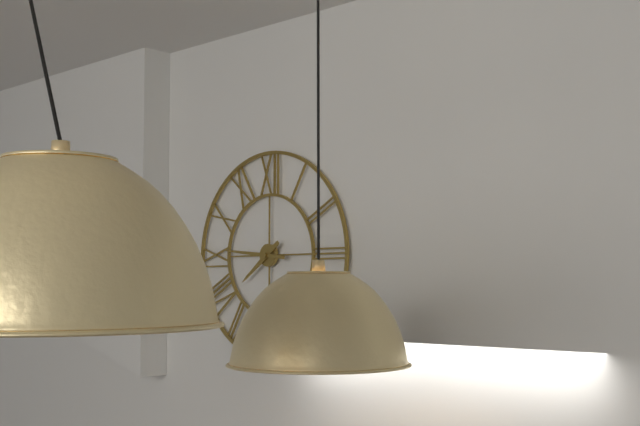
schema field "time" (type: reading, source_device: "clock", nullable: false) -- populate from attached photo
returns 7:46
